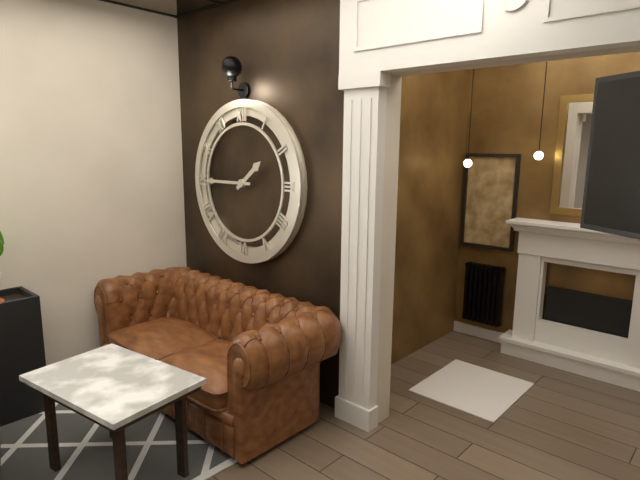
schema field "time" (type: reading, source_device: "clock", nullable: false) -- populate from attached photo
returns 1:45
